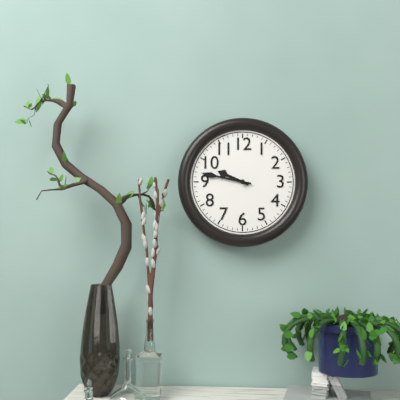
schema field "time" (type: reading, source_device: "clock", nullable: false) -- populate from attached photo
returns 9:47
